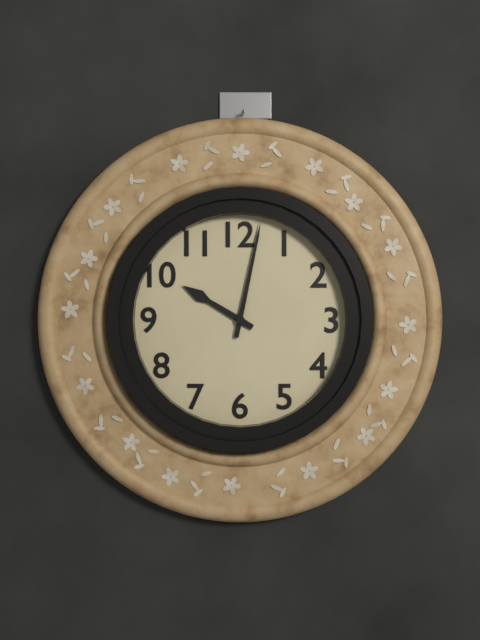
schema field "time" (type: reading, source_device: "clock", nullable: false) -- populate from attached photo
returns 10:02
